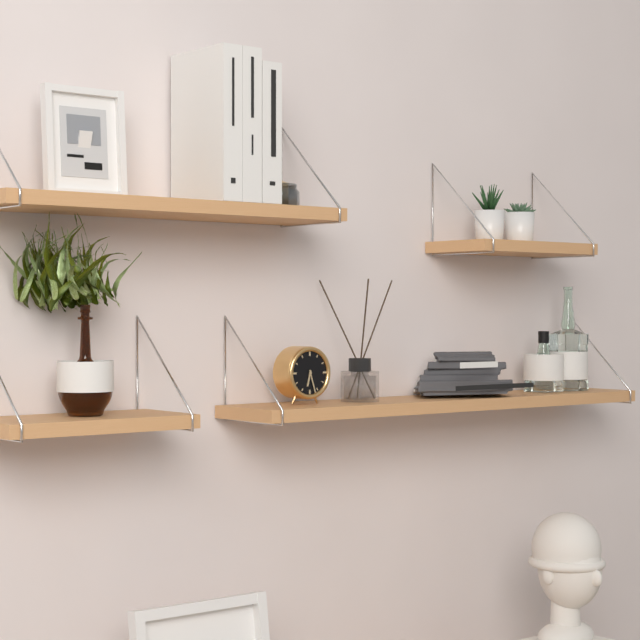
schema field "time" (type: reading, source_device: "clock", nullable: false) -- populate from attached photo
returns 6:27
